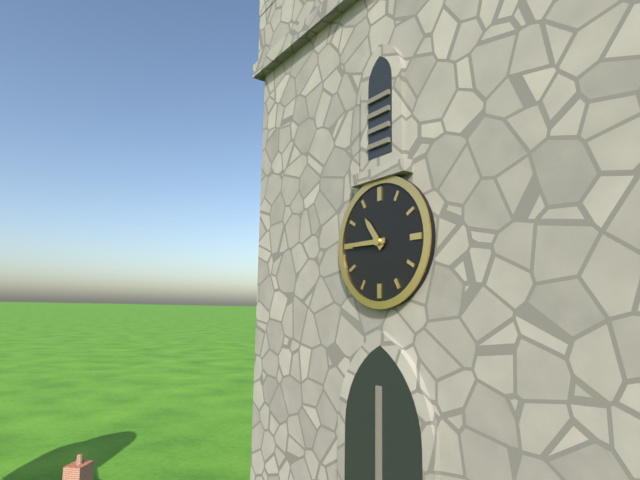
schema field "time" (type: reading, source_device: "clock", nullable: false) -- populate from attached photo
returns 10:45
